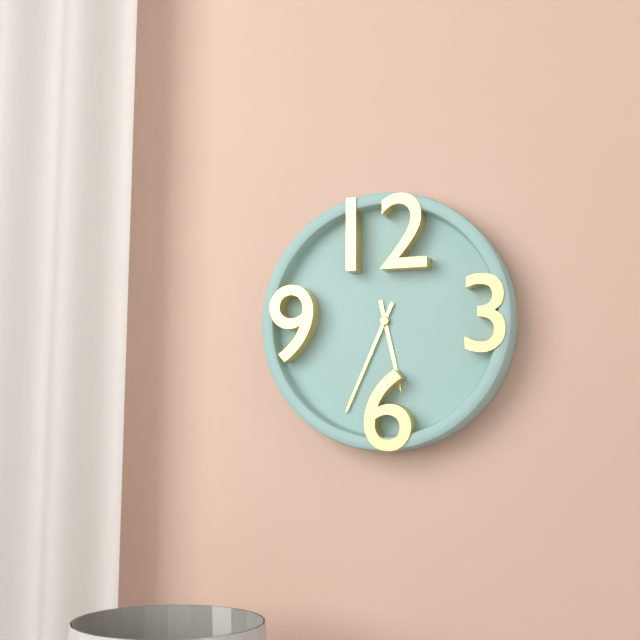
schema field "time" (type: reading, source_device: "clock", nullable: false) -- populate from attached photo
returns 5:34
